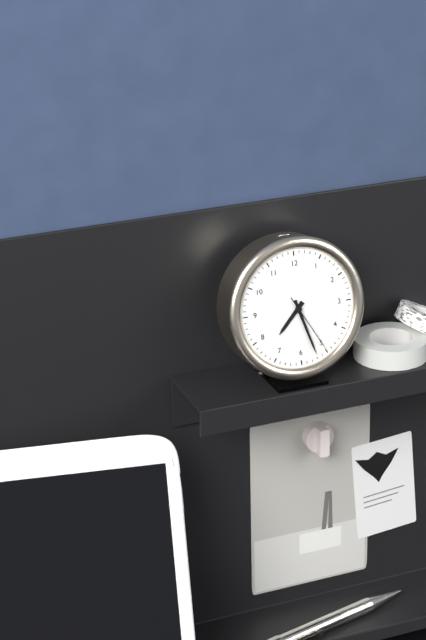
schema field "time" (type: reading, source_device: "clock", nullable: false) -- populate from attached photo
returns 7:27:25
